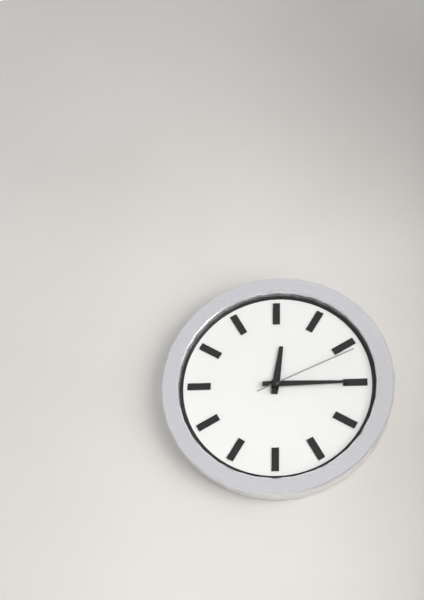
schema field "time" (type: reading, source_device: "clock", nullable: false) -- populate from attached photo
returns 12:15:11
